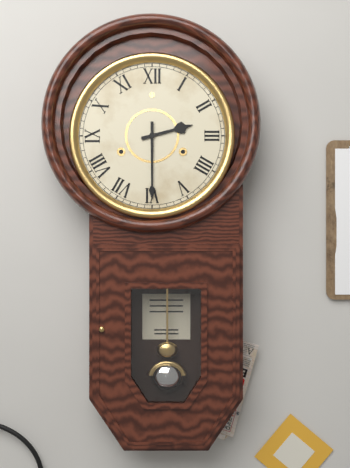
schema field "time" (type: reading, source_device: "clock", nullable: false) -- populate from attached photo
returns 2:30
